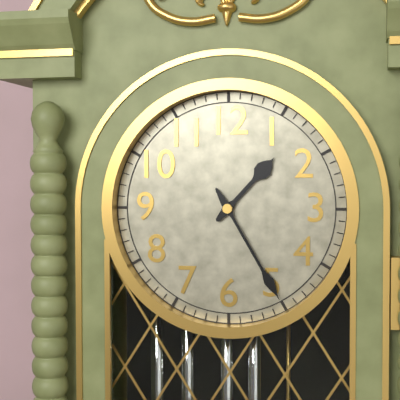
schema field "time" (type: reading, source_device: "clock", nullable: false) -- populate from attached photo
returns 1:25
